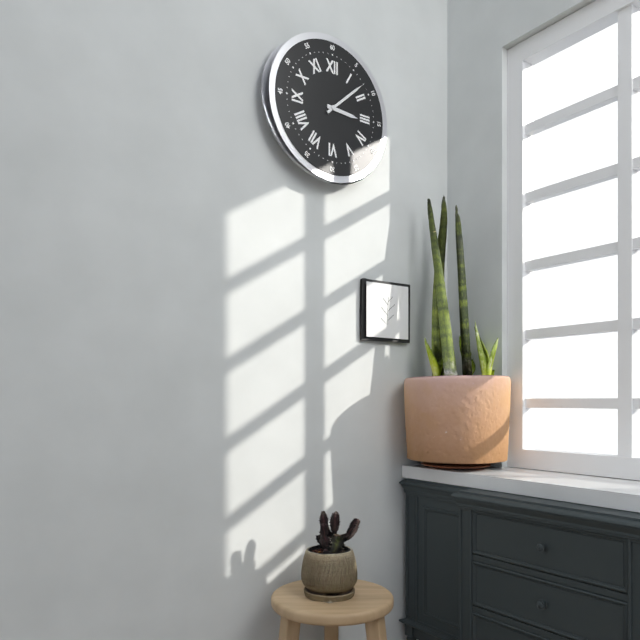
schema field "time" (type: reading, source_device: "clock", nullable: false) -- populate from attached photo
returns 3:08
